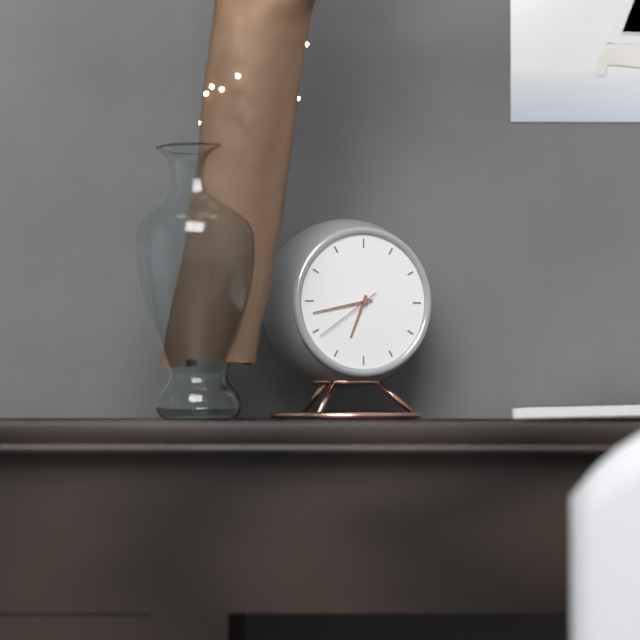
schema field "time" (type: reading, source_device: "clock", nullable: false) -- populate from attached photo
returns 6:43:39
